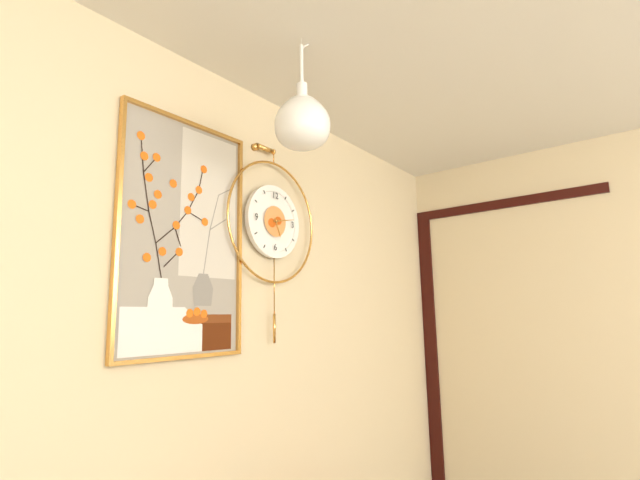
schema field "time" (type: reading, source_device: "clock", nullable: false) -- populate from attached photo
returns 5:13
